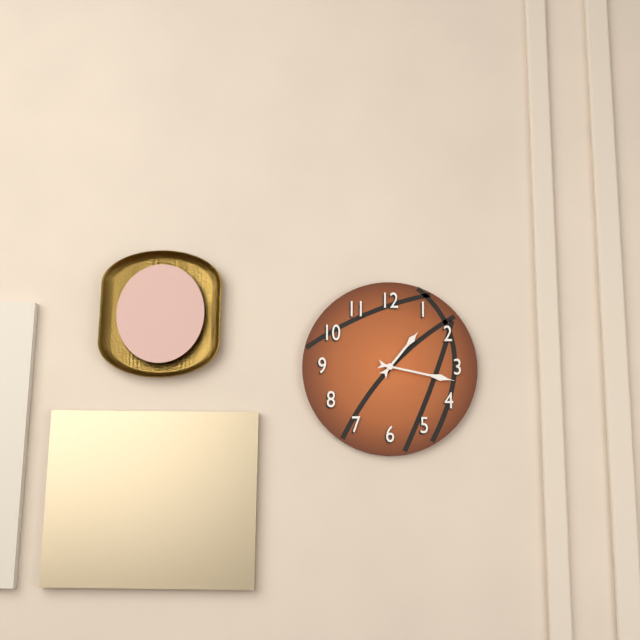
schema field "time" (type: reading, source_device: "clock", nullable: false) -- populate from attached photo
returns 1:17
